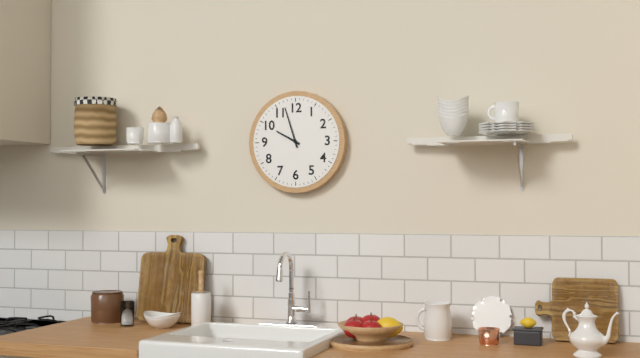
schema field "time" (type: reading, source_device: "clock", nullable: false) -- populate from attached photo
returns 9:57
